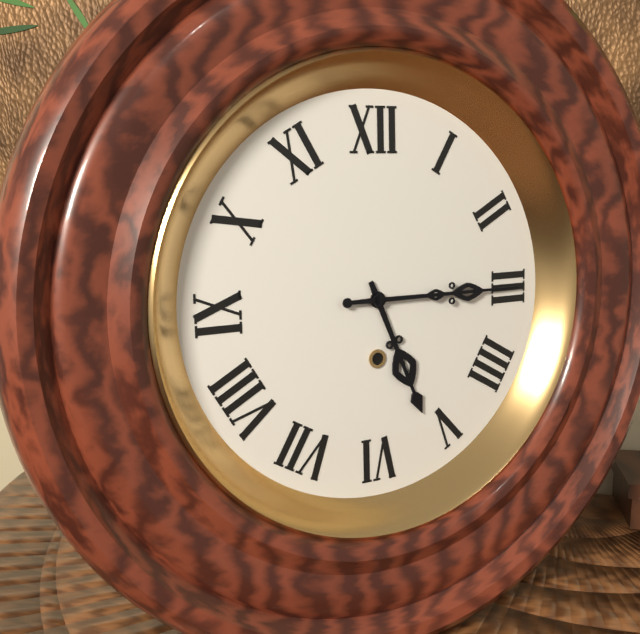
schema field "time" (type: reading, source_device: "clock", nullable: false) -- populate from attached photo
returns 5:15
